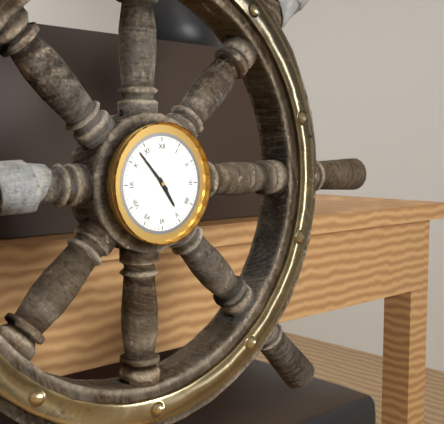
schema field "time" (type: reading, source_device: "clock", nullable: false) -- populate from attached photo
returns 4:53
